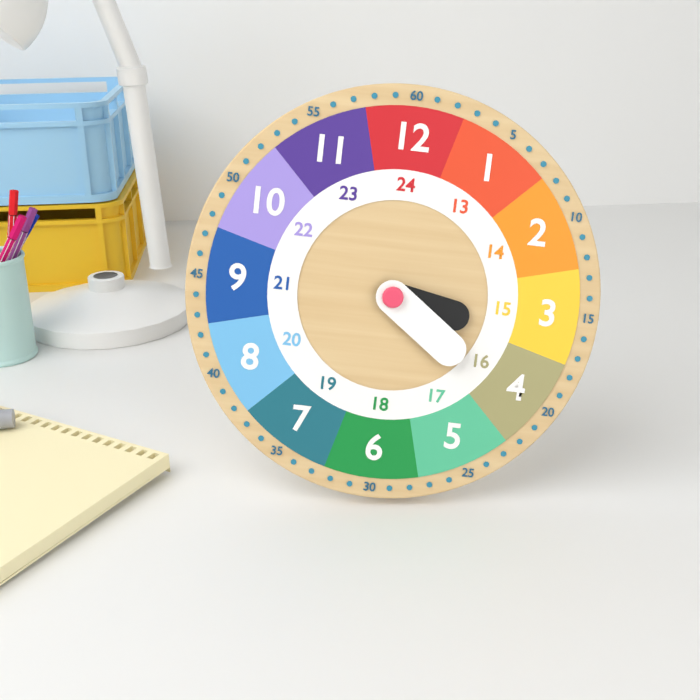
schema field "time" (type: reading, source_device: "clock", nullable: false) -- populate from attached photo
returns 3:21
